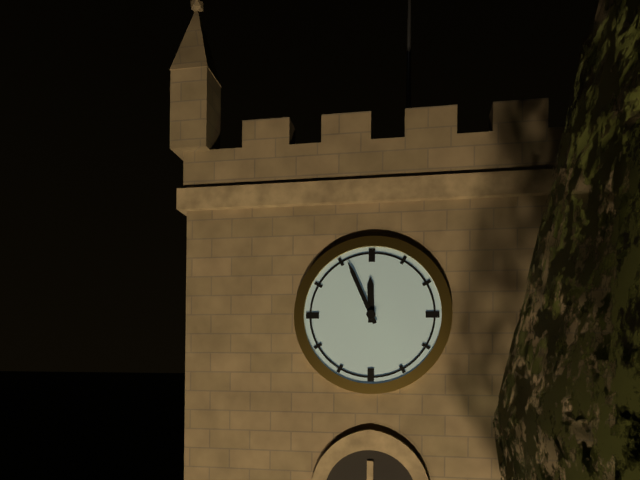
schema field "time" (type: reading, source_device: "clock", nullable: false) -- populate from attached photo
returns 11:56
